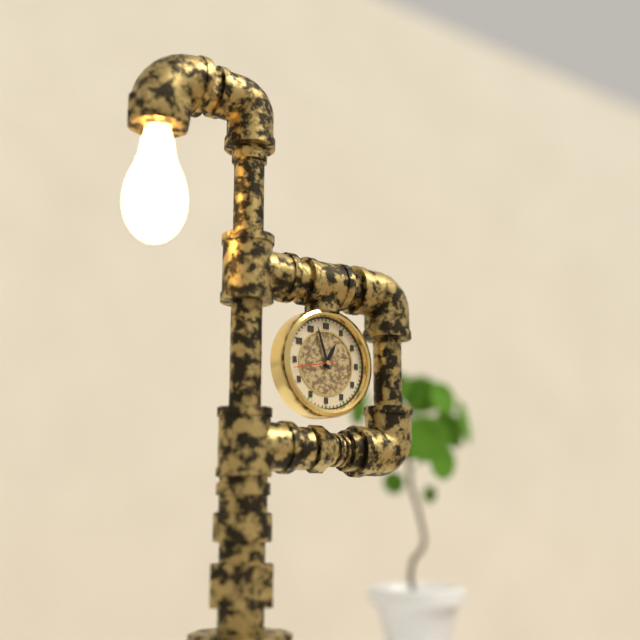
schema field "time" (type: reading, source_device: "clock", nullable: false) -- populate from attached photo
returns 12:57
